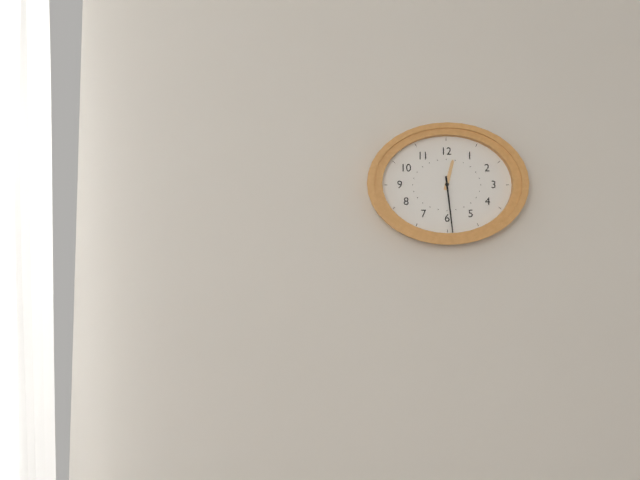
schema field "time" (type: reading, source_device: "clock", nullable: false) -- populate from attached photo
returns 12:29
